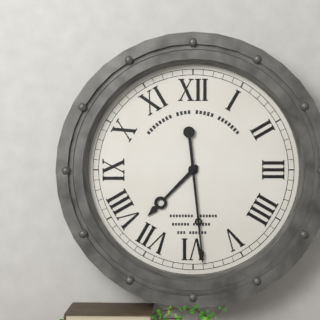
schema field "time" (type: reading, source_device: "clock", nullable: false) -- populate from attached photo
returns 7:29
